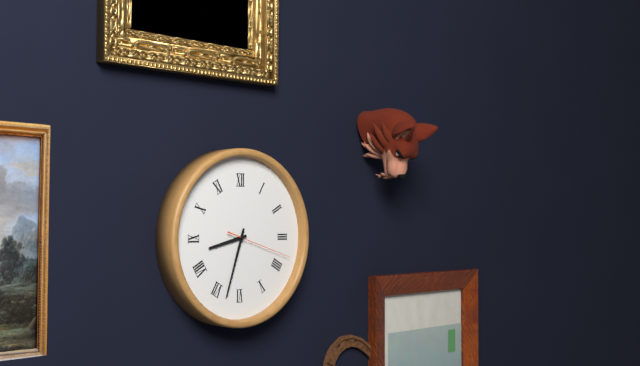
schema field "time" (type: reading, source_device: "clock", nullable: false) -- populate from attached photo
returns 8:33:18
